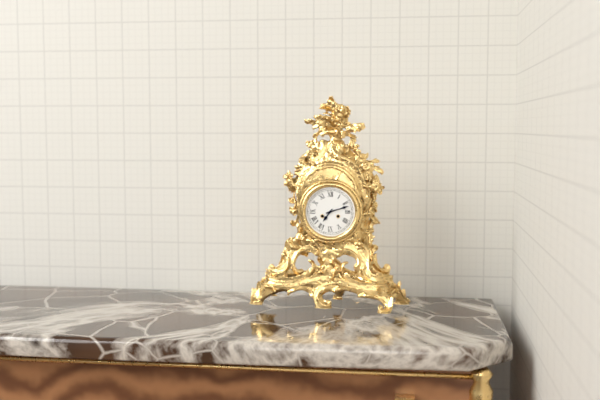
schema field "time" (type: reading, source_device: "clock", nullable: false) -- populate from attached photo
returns 7:12
